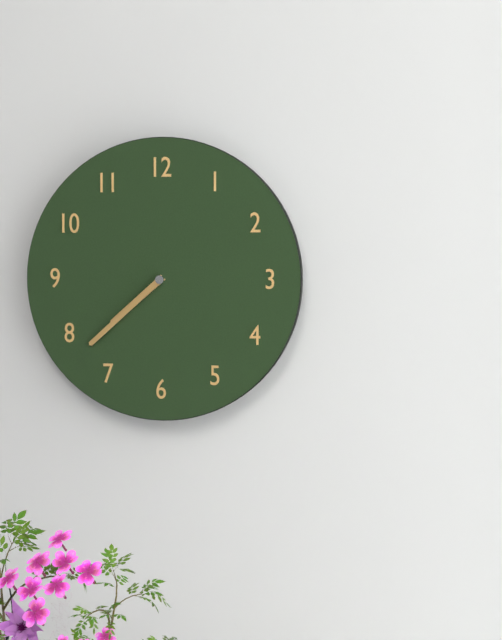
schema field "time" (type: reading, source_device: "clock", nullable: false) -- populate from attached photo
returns 7:38
